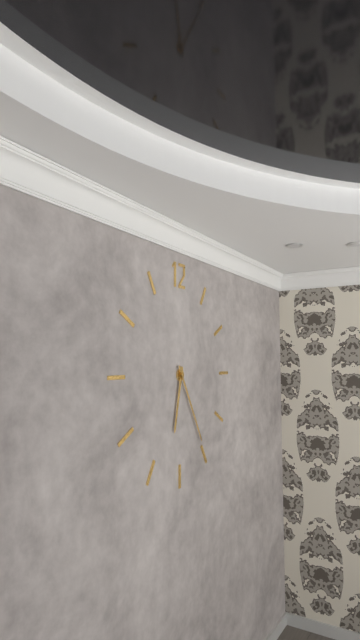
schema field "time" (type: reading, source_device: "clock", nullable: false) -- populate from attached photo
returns 6:25
